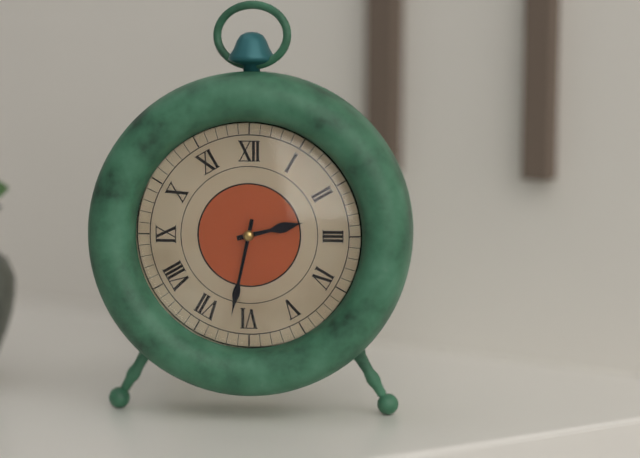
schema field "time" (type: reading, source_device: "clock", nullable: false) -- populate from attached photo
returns 2:32
